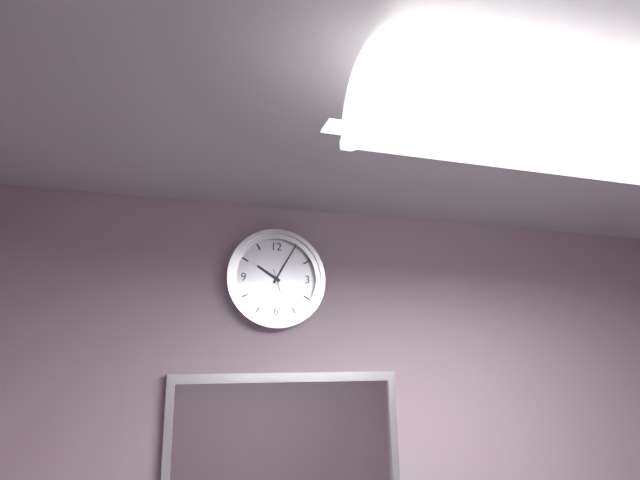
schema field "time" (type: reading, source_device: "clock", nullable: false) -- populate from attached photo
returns 10:05
